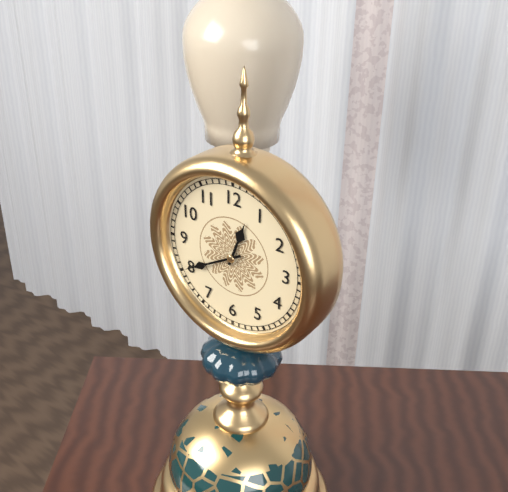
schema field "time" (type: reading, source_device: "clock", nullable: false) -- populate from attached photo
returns 12:40
